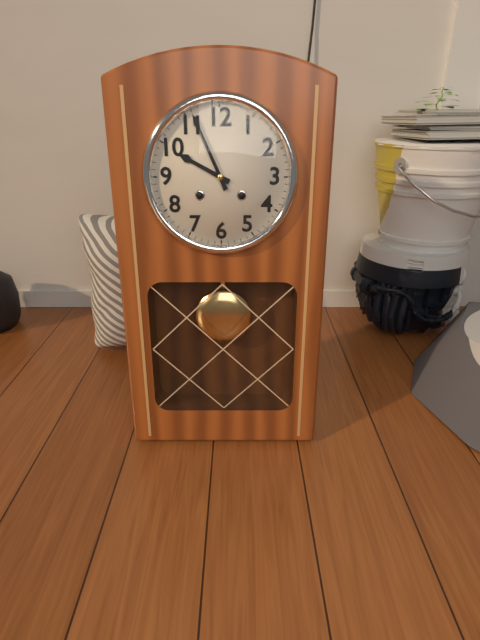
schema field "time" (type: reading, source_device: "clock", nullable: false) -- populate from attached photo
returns 9:56
